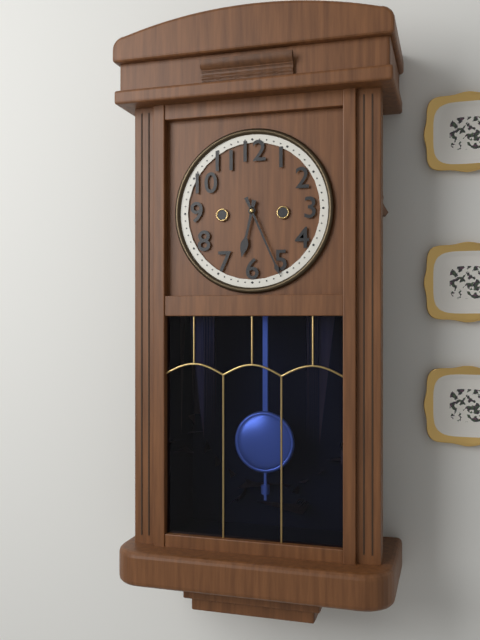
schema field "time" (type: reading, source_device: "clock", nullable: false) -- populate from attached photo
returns 6:26
